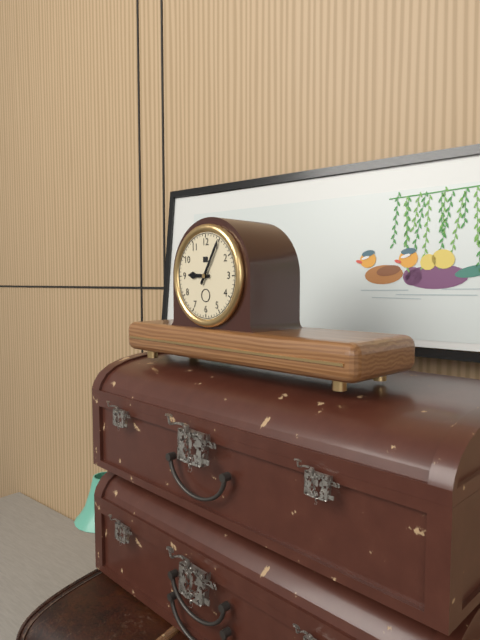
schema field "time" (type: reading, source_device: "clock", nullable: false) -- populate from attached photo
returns 9:05
